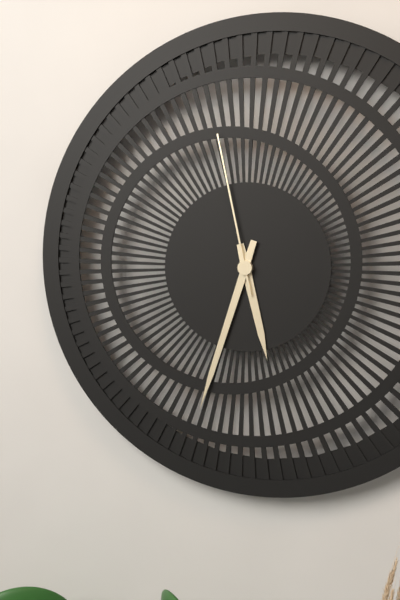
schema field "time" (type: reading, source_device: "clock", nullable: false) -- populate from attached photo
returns 5:33:58
